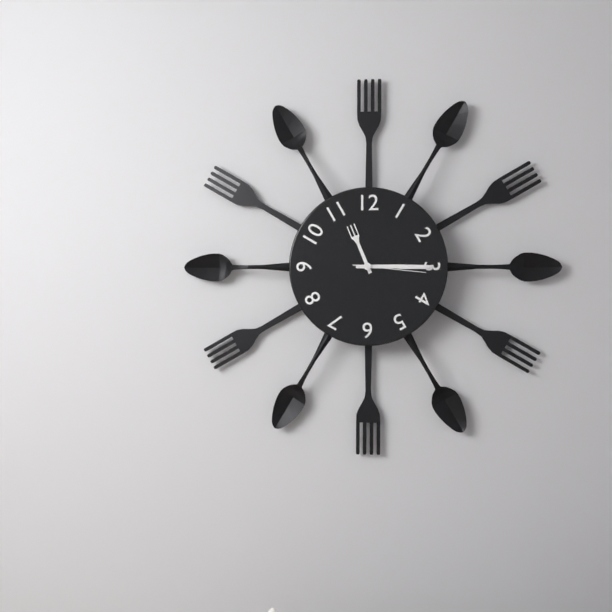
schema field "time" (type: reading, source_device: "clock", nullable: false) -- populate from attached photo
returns 11:15:16
